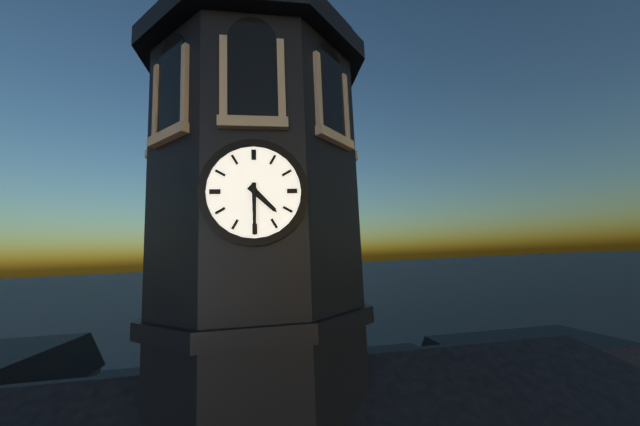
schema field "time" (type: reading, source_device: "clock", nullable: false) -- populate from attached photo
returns 4:30
